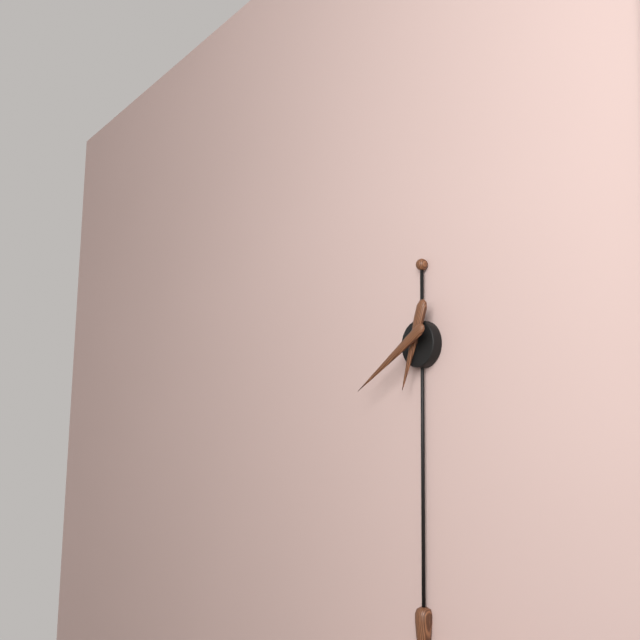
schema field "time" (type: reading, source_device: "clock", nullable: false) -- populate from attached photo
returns 6:40
